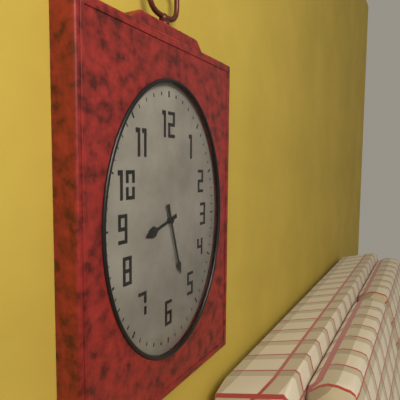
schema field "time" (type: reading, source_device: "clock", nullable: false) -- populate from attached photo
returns 8:27
